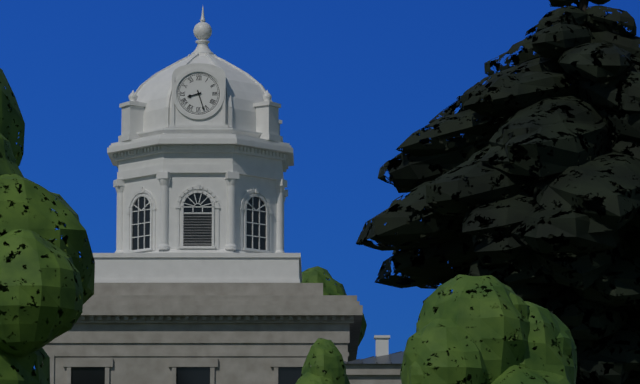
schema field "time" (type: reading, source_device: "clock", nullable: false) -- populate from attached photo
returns 8:27
